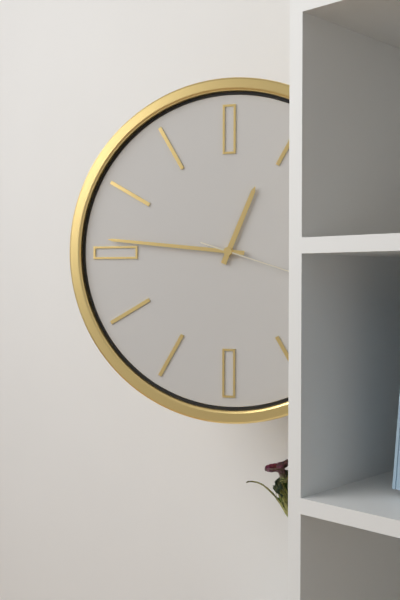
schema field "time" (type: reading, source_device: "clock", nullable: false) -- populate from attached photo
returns 12:46
